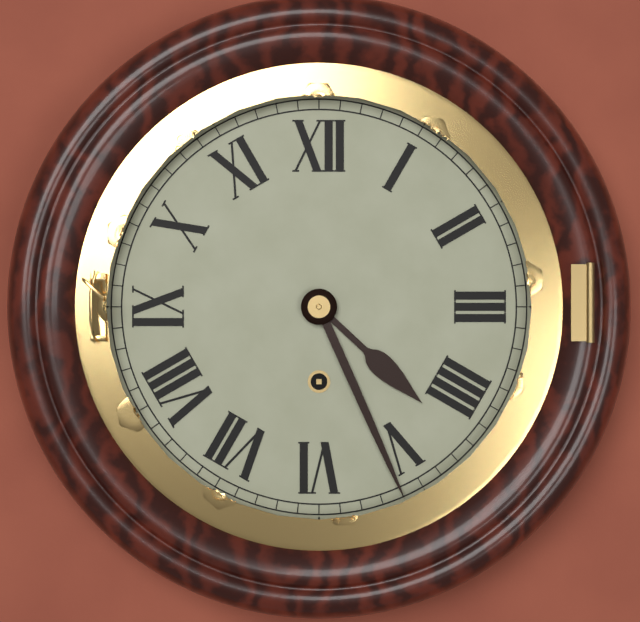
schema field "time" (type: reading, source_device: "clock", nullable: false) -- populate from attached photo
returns 4:26
